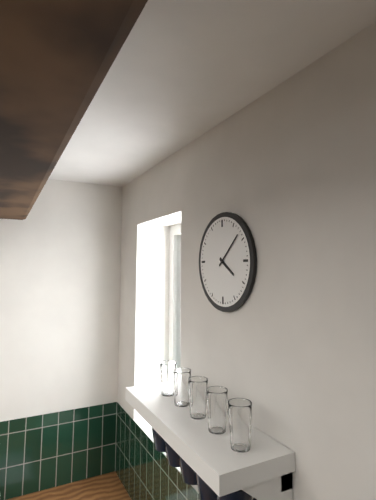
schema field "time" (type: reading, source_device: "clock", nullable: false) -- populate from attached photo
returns 4:08
